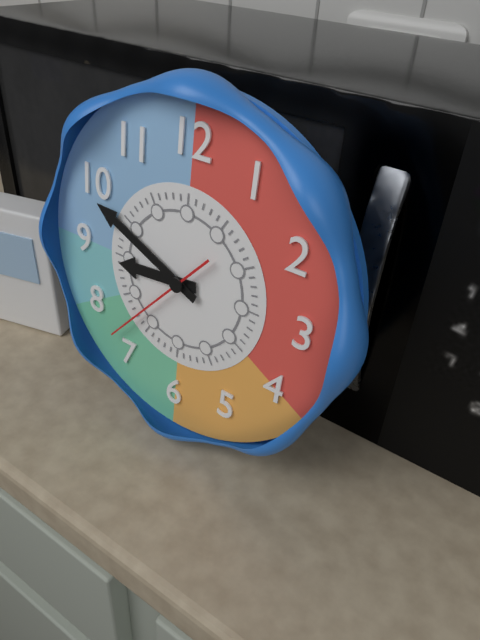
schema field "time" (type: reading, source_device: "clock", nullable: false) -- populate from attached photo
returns 8:49:37
